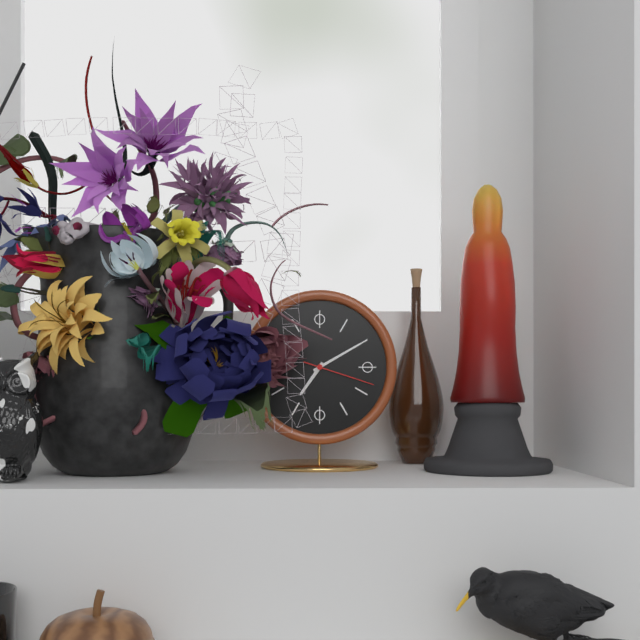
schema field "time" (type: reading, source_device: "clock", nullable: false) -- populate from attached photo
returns 7:10:18
